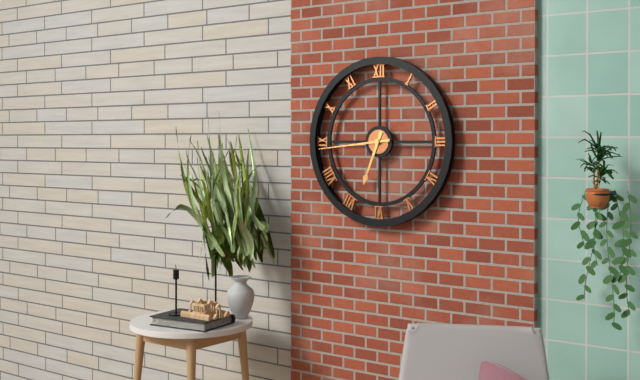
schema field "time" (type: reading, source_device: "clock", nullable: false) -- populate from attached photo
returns 6:44
